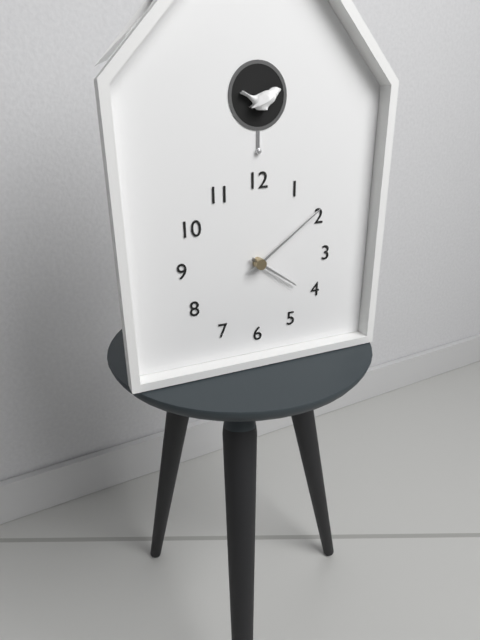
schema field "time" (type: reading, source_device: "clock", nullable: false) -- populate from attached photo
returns 4:09
